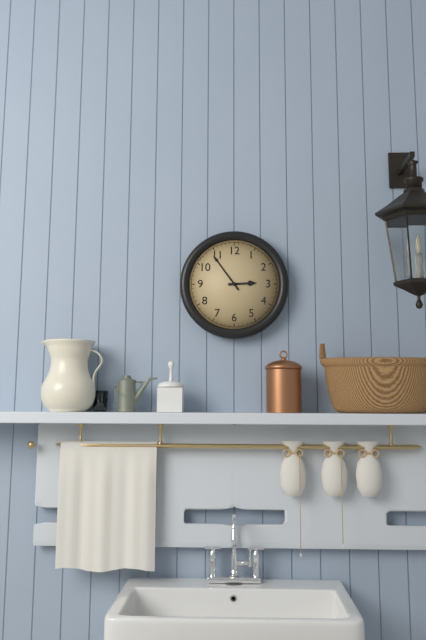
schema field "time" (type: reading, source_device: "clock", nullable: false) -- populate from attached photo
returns 2:54
